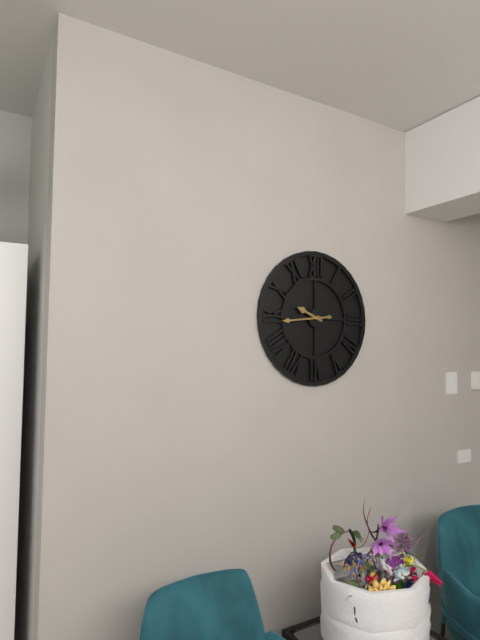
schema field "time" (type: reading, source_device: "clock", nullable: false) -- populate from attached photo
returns 9:44
